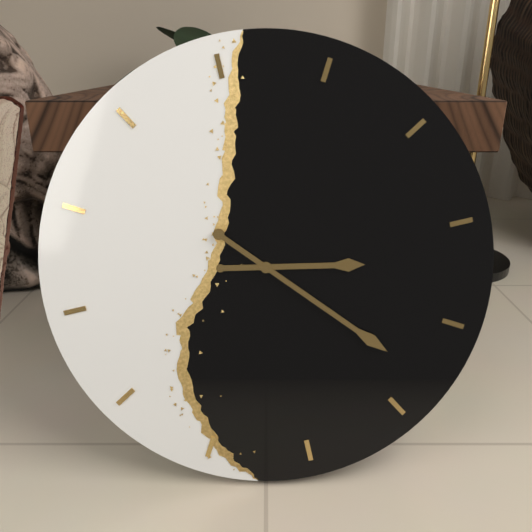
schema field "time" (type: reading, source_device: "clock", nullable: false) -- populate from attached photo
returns 3:23
